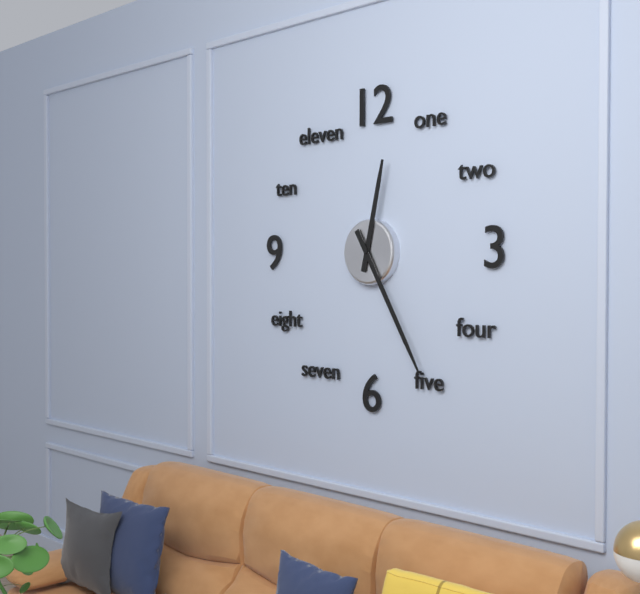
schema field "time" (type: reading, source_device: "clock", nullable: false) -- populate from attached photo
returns 12:25
